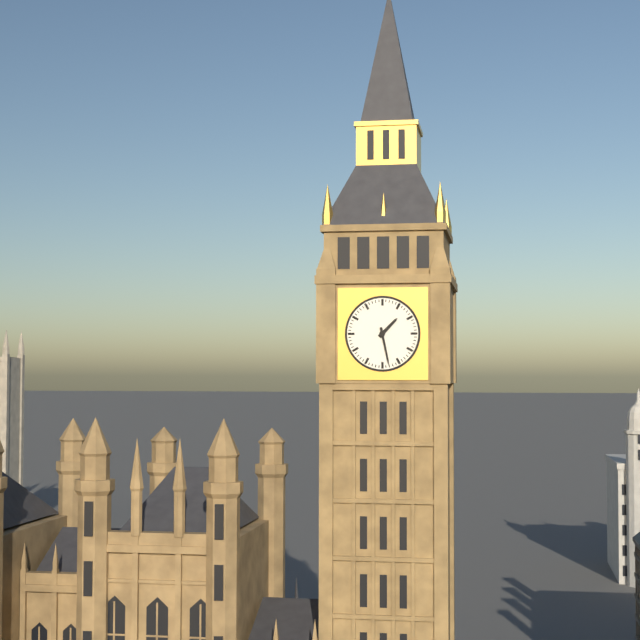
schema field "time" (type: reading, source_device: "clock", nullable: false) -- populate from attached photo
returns 1:28
